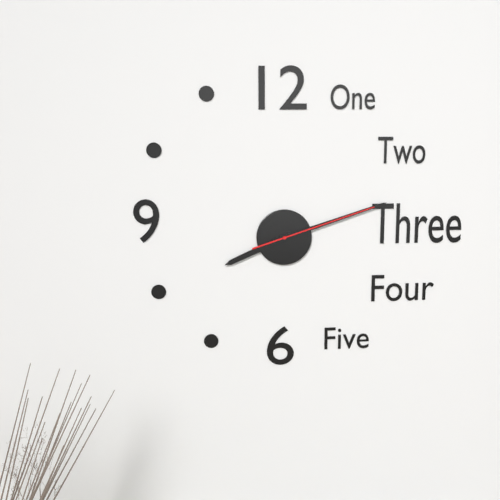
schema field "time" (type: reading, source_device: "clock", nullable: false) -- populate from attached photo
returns 8:12:12
